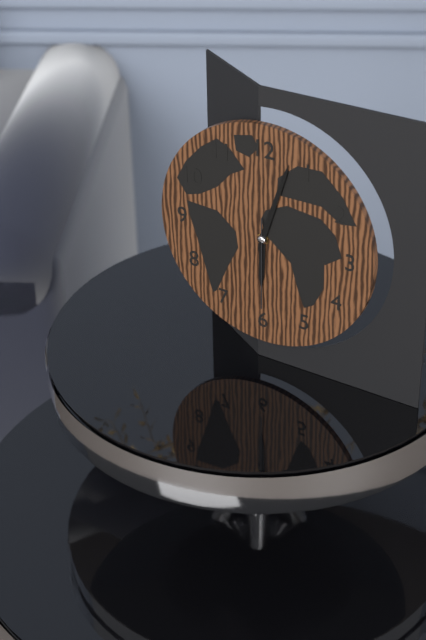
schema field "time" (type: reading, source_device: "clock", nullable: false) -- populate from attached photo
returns 6:03:30
